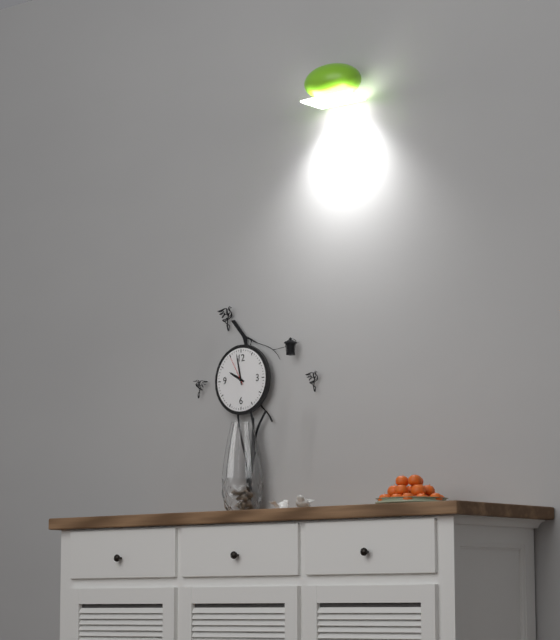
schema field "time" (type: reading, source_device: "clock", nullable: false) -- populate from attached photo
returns 9:58
